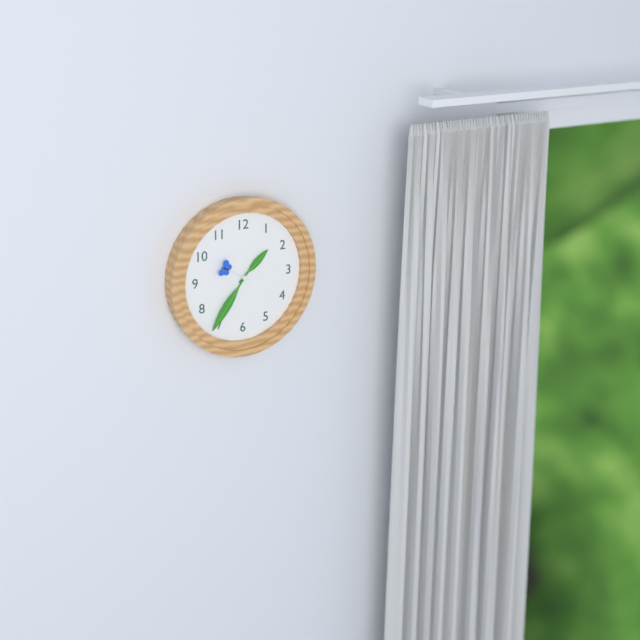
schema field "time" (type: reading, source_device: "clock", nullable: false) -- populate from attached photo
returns 1:36
